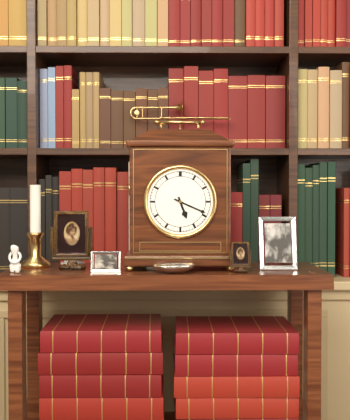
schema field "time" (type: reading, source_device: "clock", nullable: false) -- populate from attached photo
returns 5:19
